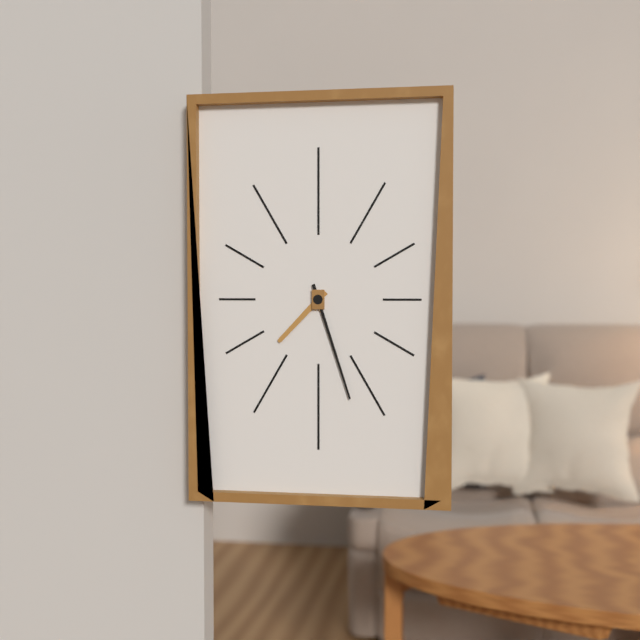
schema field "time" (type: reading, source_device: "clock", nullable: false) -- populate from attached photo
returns 7:27
